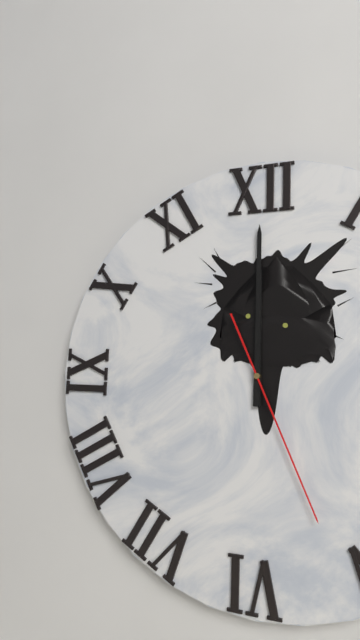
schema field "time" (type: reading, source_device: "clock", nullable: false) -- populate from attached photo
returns 12:00:26
